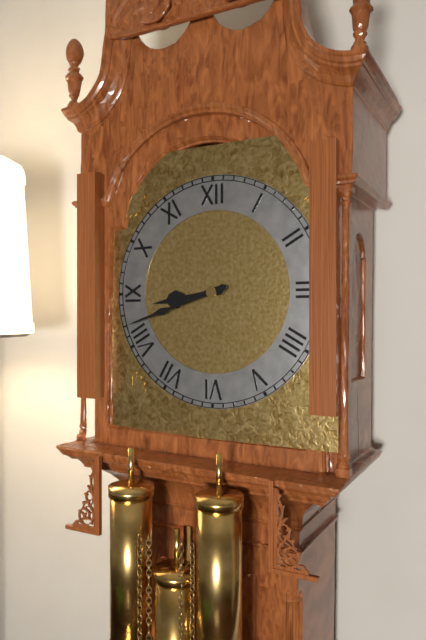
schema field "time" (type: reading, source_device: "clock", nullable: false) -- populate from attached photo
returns 8:42
